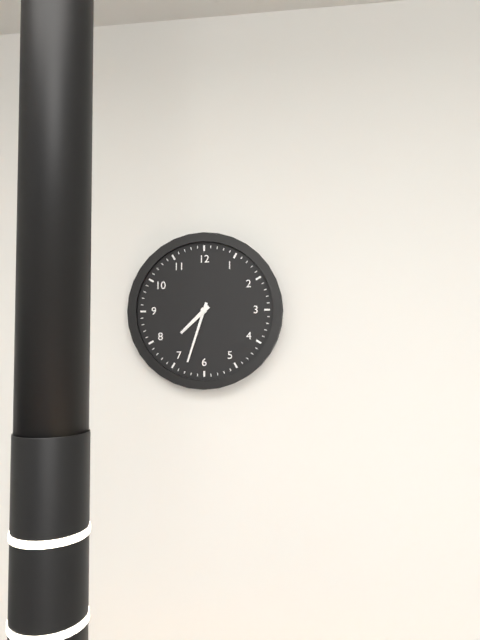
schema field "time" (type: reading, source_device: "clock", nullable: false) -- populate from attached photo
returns 7:33
